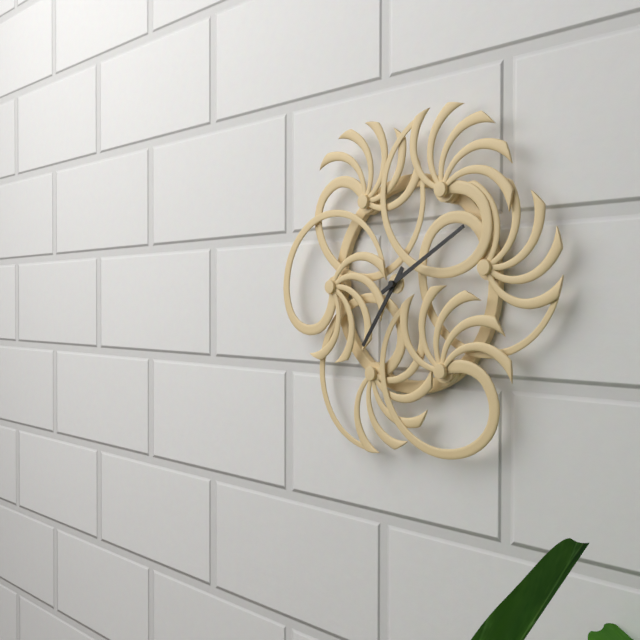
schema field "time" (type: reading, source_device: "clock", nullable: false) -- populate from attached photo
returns 7:10
